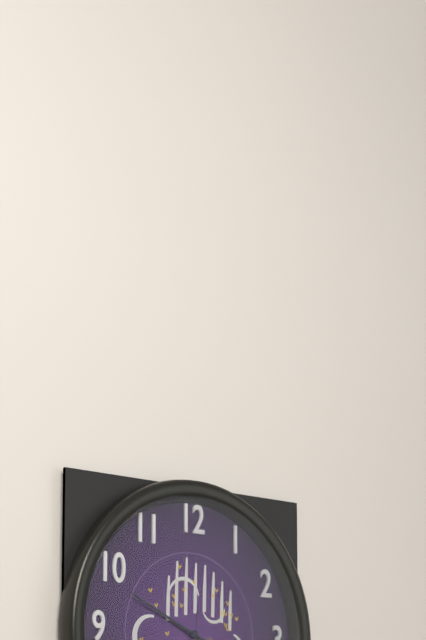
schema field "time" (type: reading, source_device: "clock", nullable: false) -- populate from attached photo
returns 9:49
